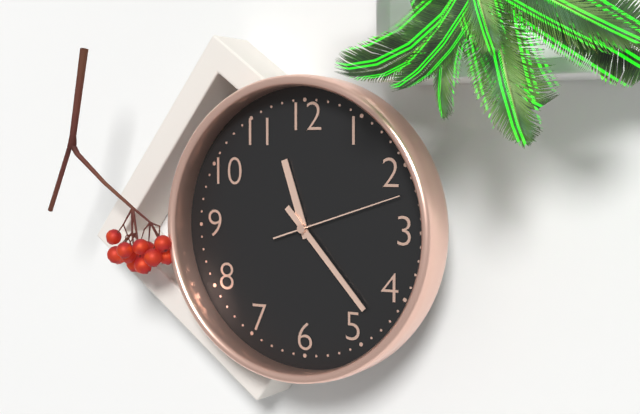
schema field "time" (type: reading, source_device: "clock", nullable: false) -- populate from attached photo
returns 11:23:12
